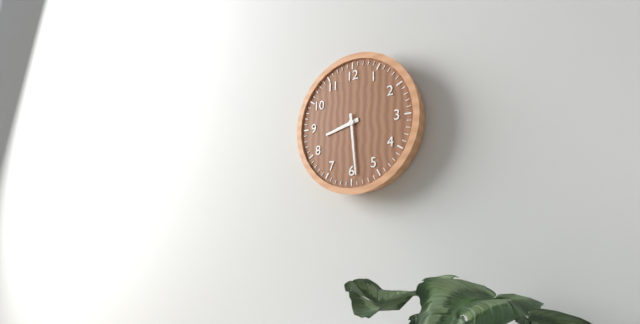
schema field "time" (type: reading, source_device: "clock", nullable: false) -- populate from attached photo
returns 8:29
